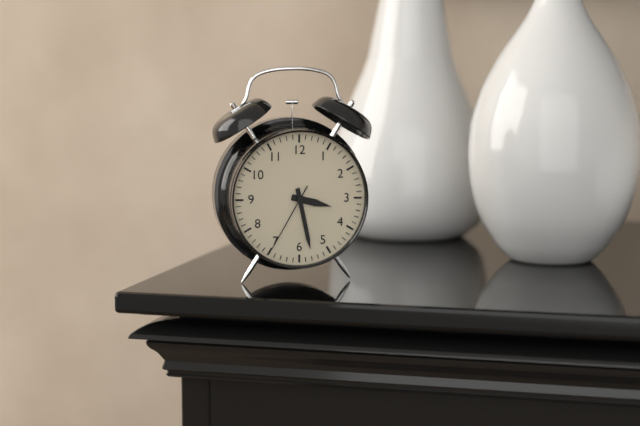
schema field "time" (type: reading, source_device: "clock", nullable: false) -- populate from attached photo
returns 3:28:35
